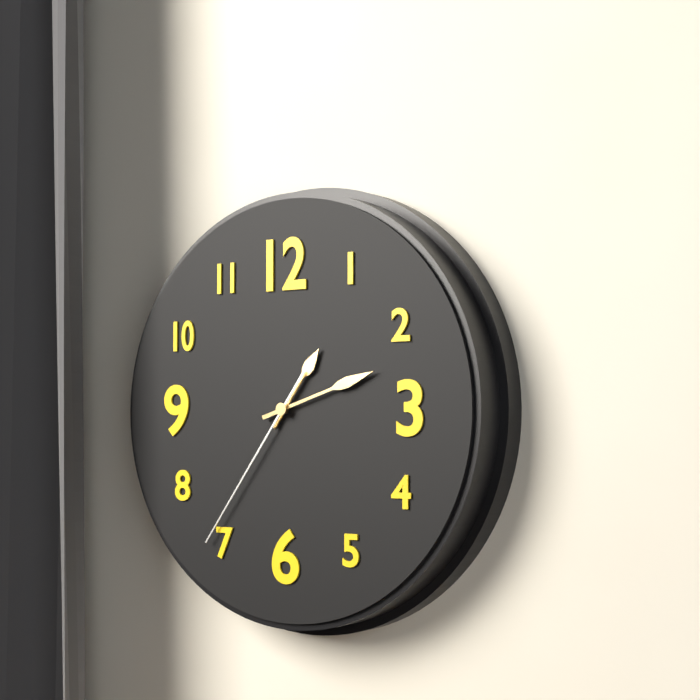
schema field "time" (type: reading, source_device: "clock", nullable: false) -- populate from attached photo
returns 1:12:36
